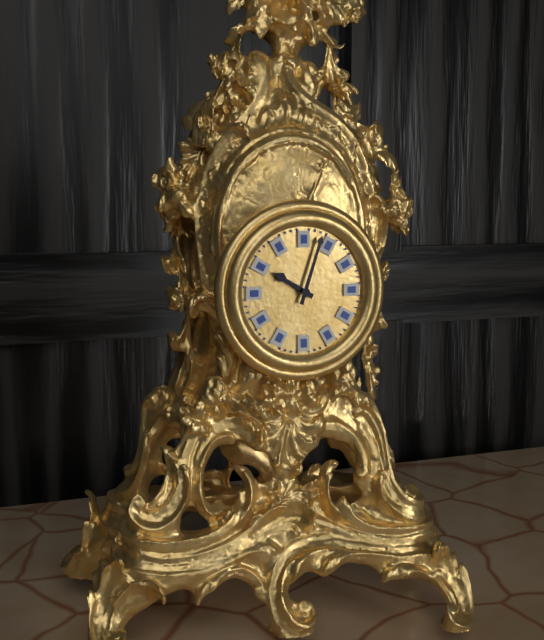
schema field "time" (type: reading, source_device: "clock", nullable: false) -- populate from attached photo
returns 10:03
